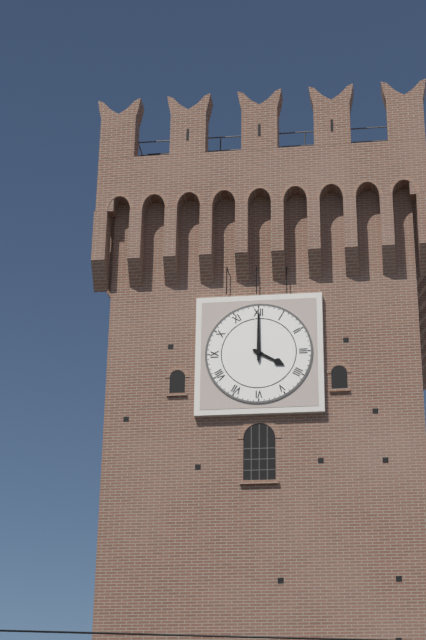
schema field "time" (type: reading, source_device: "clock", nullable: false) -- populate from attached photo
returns 4:00
